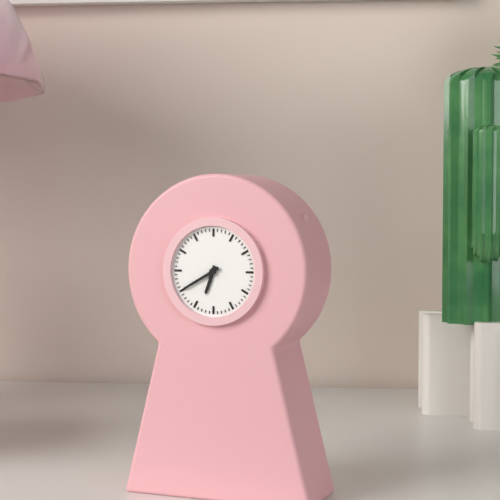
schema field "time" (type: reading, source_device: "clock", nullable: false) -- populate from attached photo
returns 6:40
